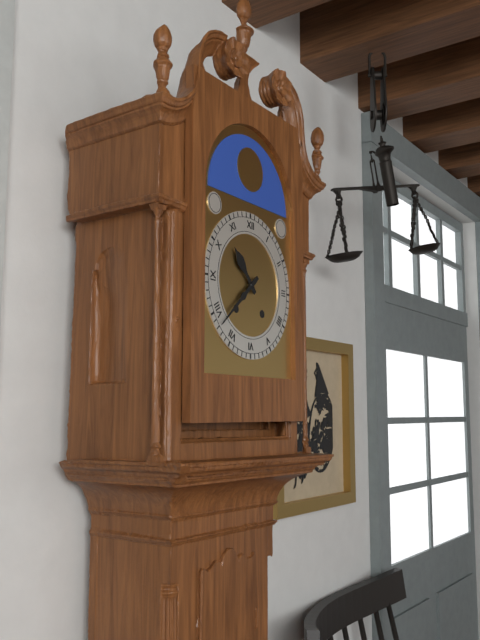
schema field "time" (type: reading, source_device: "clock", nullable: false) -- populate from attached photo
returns 10:38
